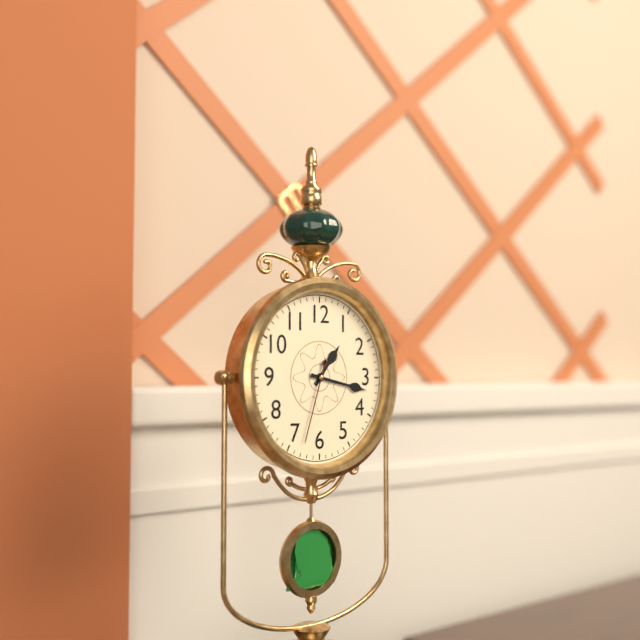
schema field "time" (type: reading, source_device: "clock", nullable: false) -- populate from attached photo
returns 1:17:33
